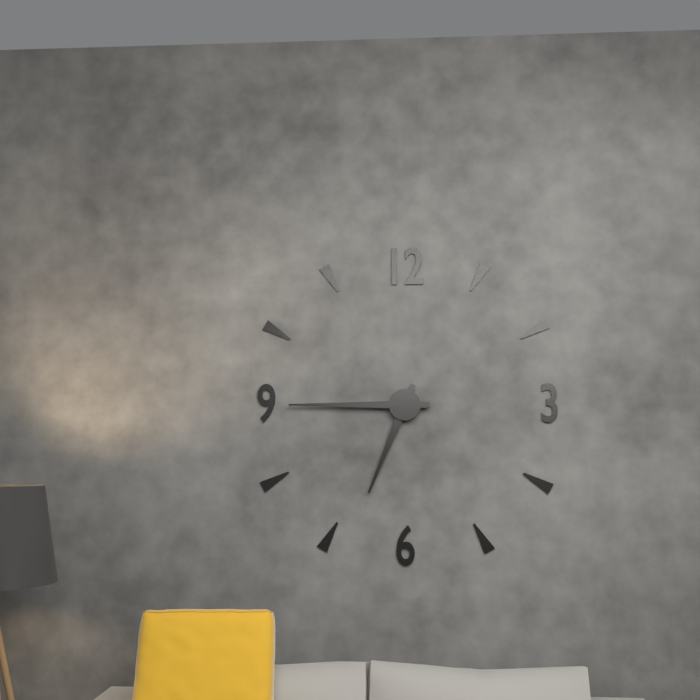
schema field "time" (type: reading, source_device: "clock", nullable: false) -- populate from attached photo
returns 6:45
